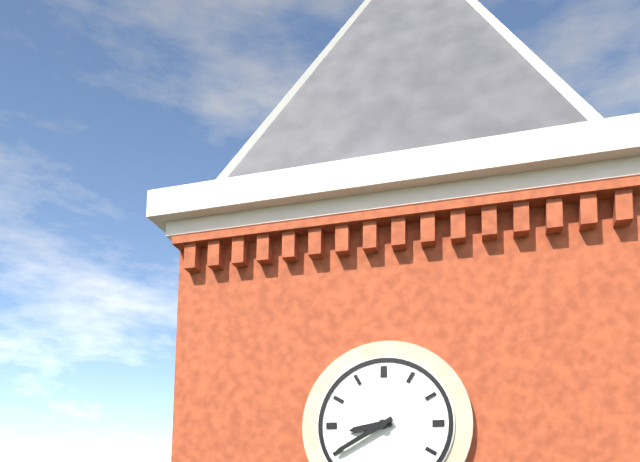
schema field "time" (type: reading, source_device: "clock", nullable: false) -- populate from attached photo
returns 8:40
